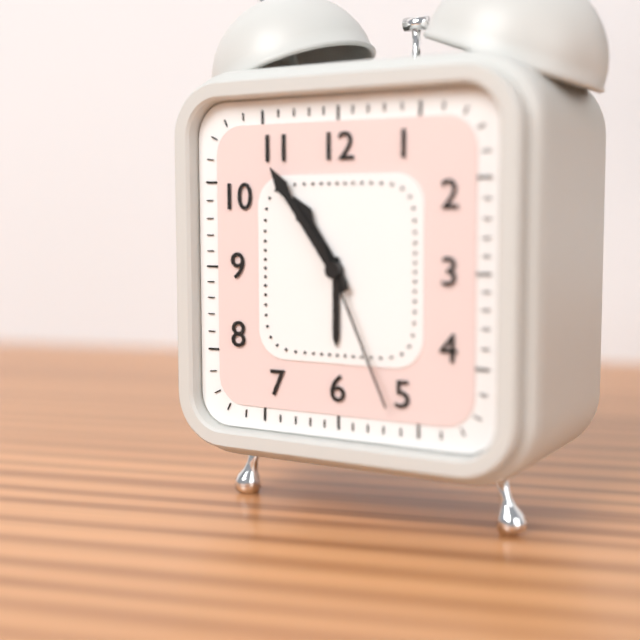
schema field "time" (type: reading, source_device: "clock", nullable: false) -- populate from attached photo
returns 10:54:26
